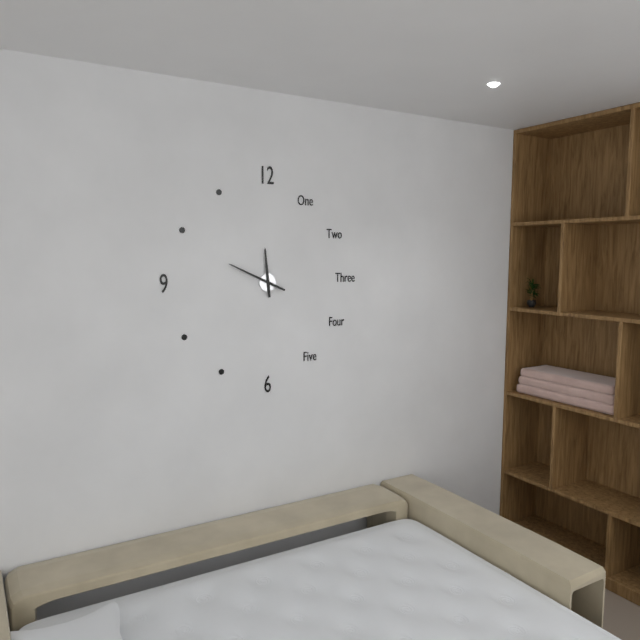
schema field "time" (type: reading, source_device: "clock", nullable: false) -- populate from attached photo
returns 11:49
